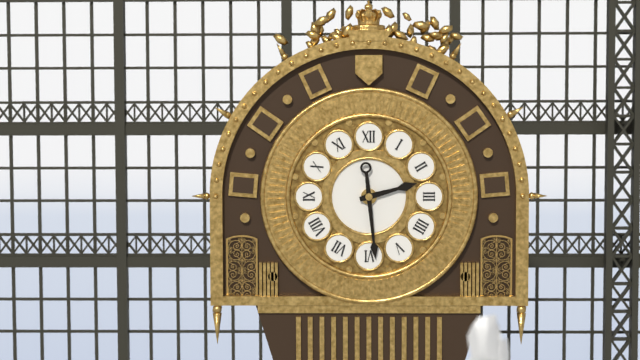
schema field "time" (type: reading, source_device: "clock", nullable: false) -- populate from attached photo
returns 2:29
